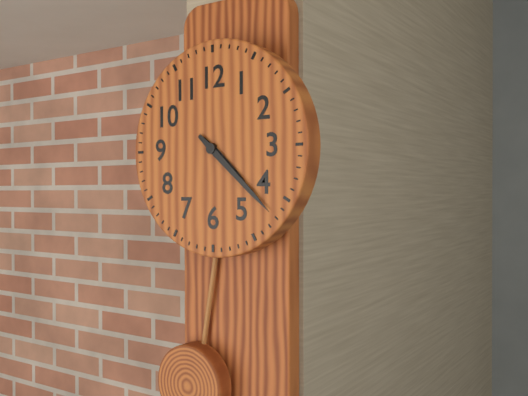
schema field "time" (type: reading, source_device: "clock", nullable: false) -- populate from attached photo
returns 4:22
